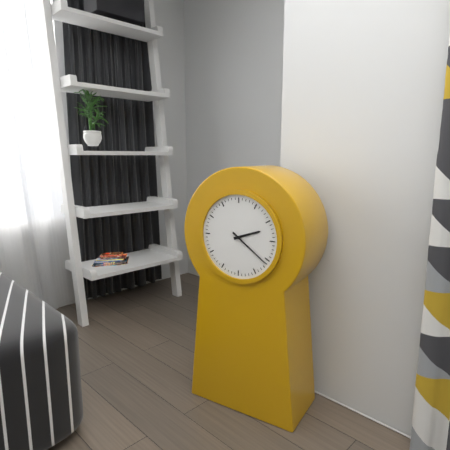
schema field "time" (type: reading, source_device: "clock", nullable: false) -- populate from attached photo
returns 2:21
